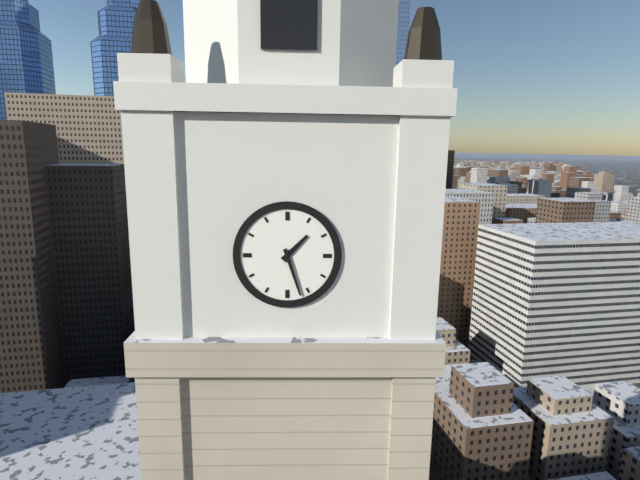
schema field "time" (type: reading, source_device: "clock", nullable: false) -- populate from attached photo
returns 1:27
